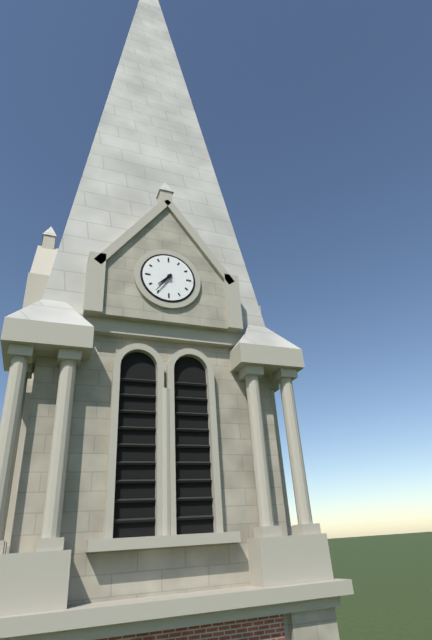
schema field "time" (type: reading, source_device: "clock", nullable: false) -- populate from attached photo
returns 7:36
